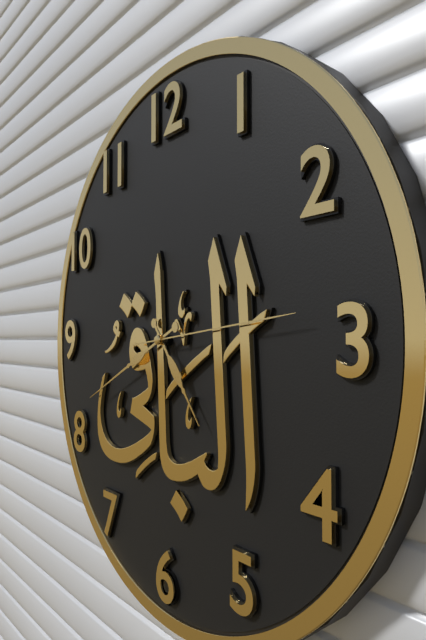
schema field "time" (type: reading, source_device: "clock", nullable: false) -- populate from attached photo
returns 4:41:14
